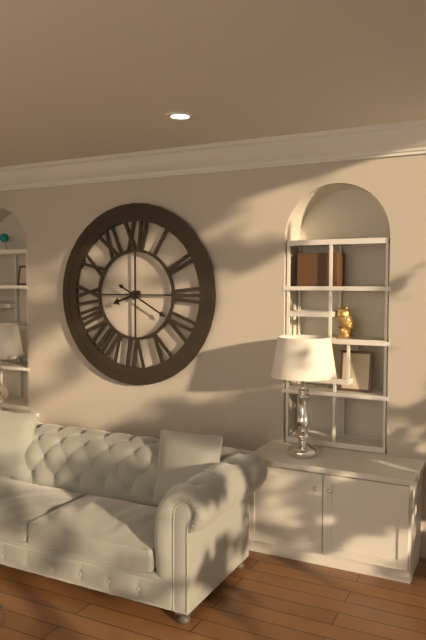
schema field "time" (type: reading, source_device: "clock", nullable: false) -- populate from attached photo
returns 8:20
